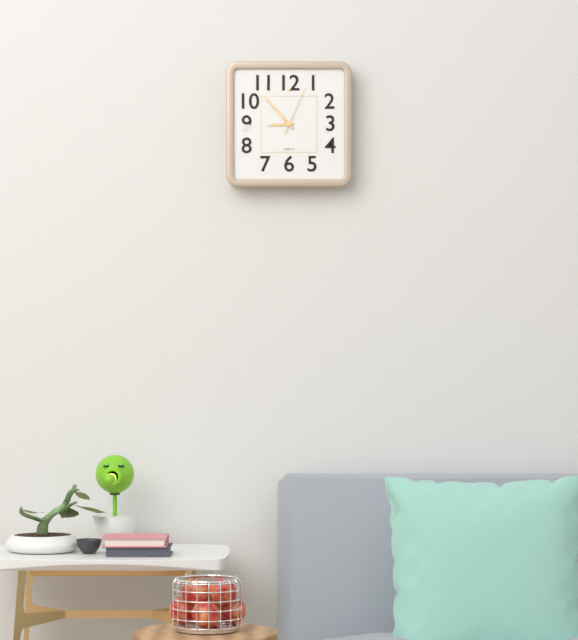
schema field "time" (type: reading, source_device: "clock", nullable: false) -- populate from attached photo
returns 8:53:04
